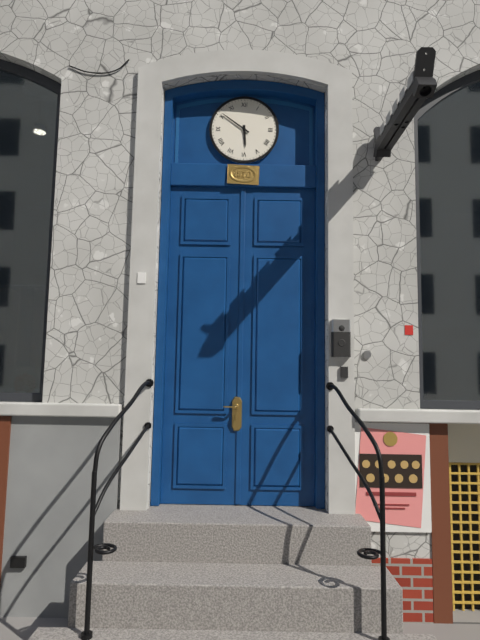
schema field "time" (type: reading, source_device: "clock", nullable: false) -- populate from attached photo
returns 5:51
